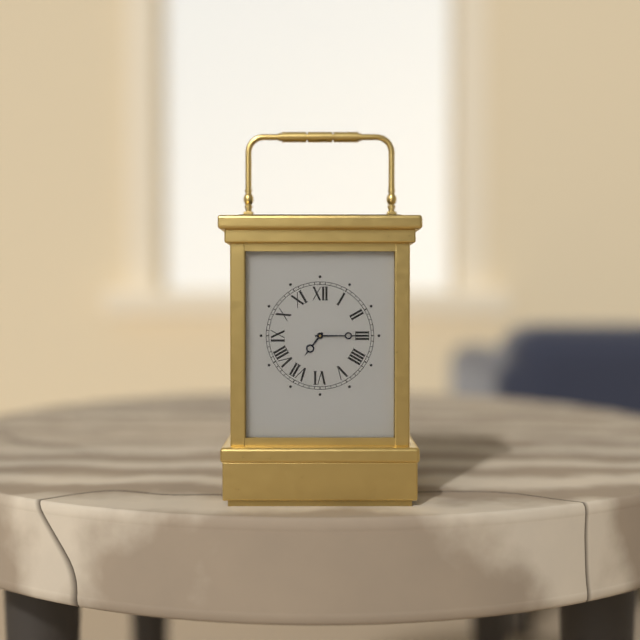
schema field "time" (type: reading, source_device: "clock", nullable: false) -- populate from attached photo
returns 7:15
